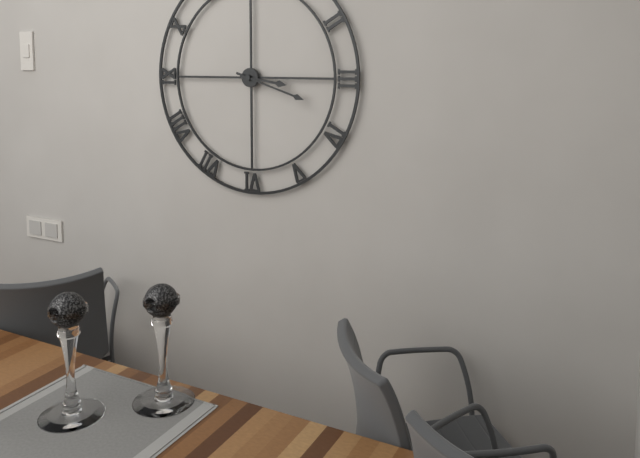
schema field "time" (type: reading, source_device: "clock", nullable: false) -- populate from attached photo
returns 3:18
